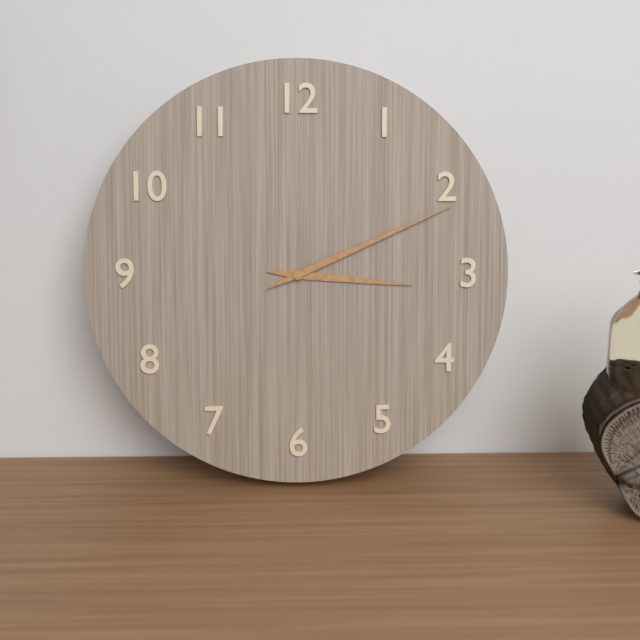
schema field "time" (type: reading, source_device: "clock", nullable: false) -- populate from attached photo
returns 3:11
